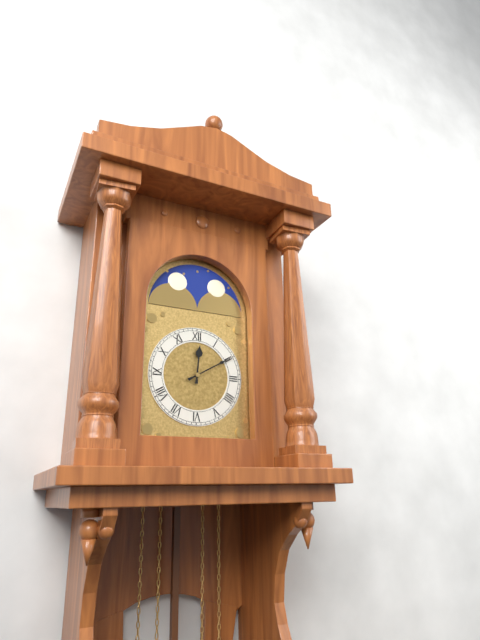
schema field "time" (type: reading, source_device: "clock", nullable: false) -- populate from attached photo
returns 12:10
